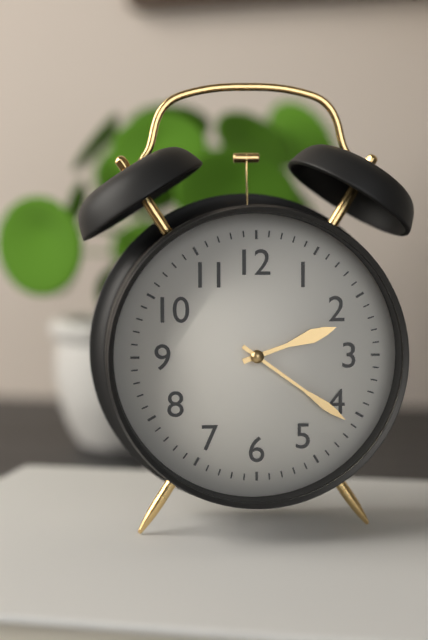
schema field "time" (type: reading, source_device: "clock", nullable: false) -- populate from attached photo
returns 2:21
